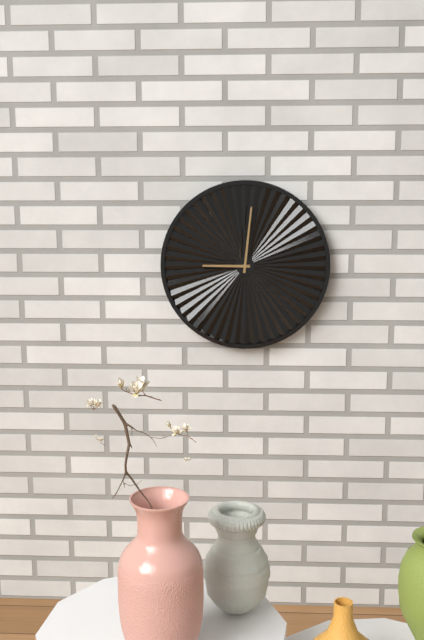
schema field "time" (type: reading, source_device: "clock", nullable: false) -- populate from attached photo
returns 9:01
